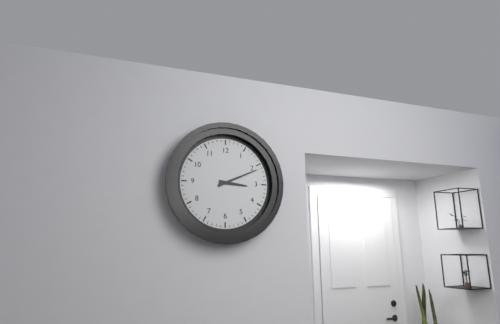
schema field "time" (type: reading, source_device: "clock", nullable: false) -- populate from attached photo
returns 3:11
